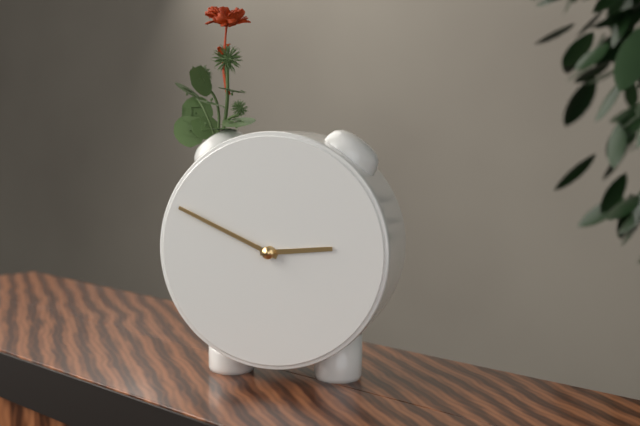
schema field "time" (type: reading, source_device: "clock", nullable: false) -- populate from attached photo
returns 2:49
